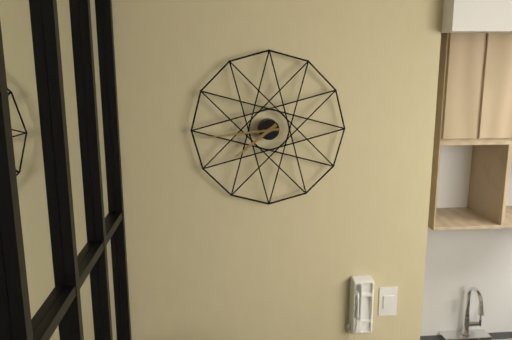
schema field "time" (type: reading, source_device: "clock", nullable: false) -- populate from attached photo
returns 7:44
